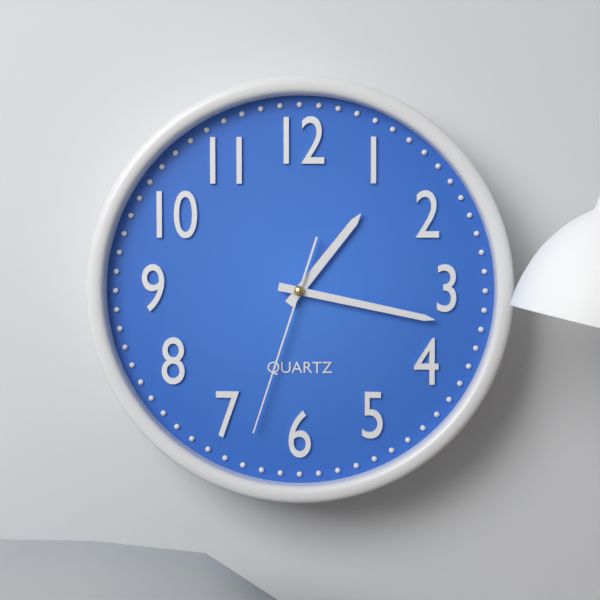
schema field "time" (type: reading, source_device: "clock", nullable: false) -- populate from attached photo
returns 1:17:33
